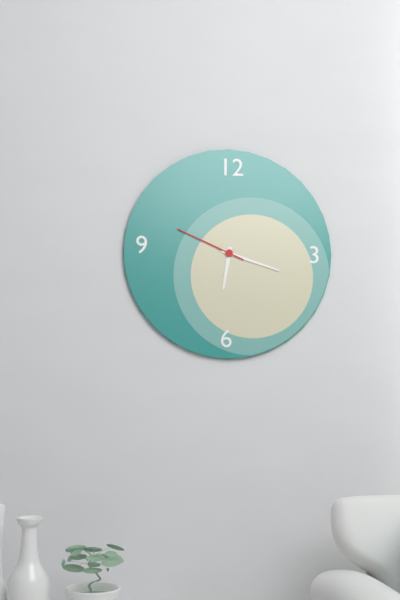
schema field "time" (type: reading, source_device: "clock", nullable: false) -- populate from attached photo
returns 6:18:49
